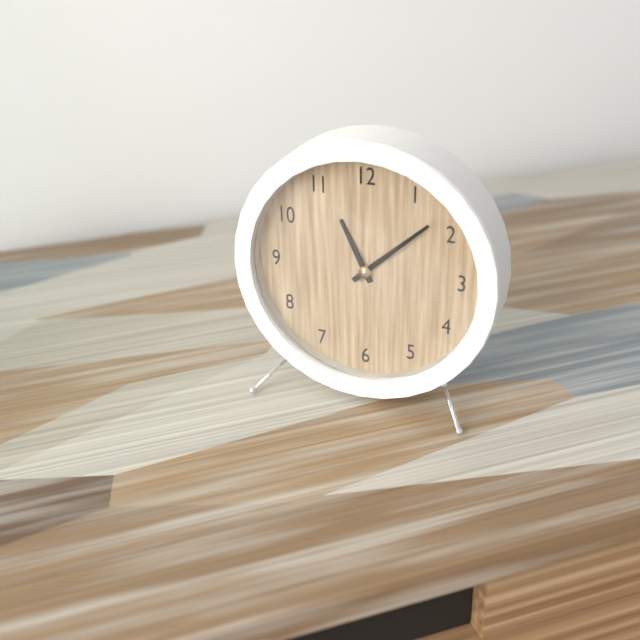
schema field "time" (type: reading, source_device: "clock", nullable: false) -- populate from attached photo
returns 11:08
